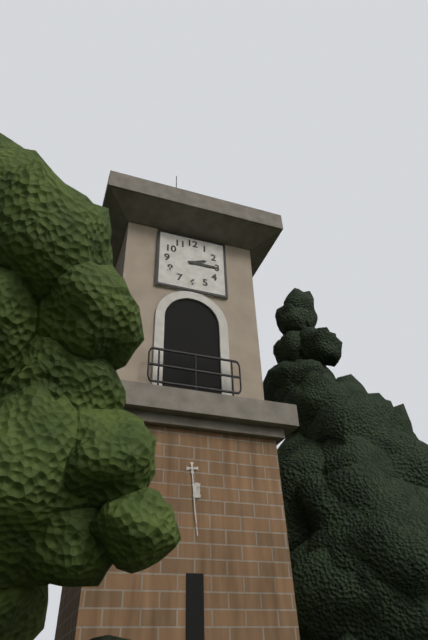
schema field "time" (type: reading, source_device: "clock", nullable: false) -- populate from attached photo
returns 2:15
